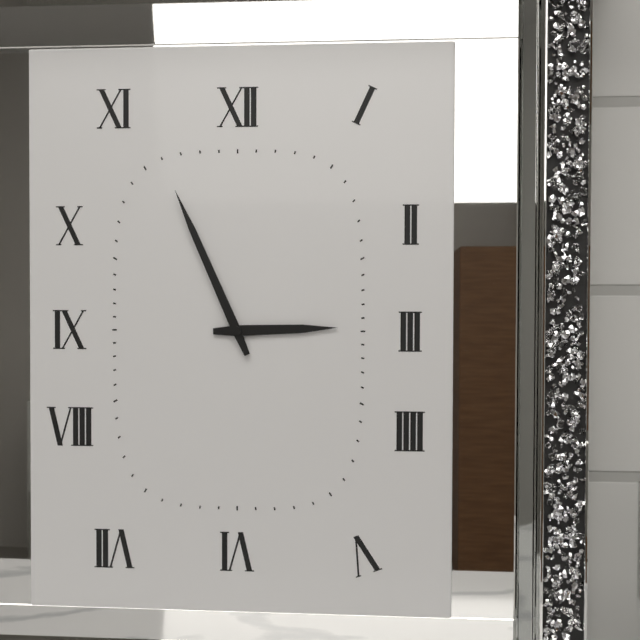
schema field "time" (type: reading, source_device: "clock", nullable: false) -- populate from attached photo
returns 2:56
